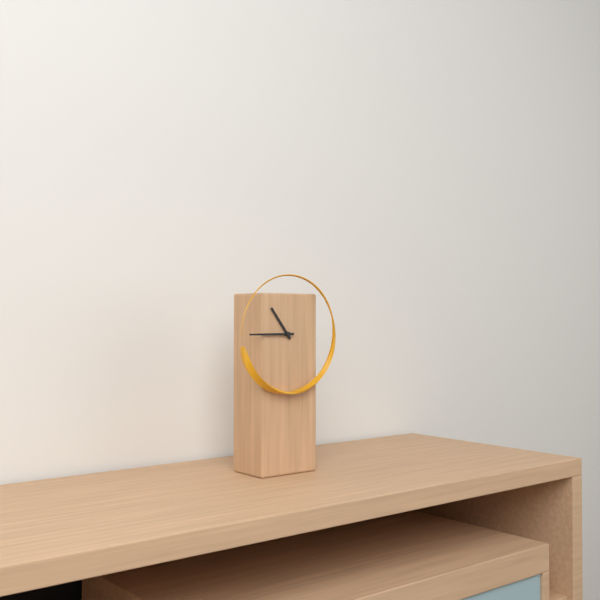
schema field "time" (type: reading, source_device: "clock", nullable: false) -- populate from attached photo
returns 10:45
